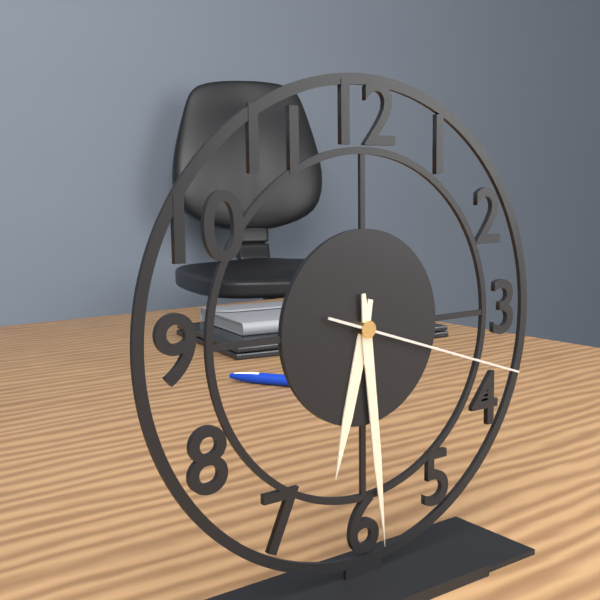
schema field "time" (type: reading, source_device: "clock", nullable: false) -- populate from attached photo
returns 6:29:18
